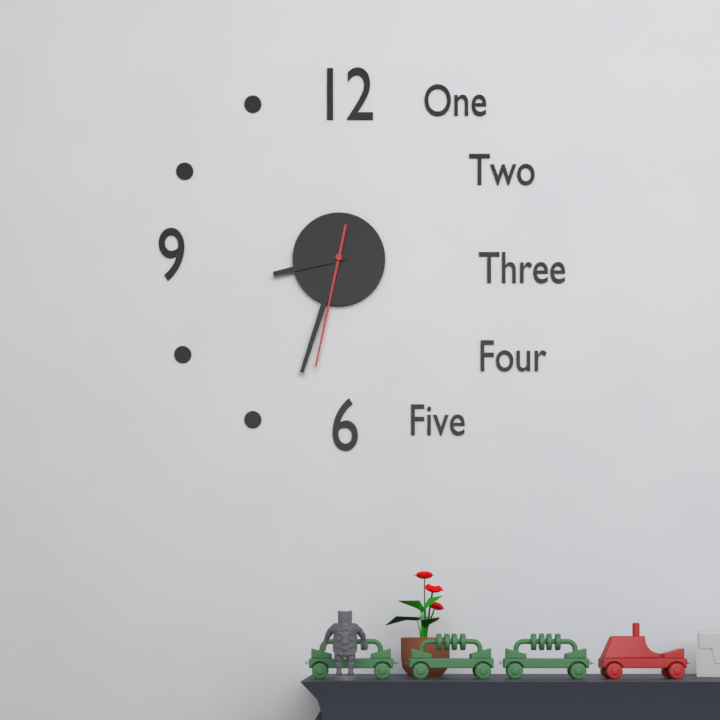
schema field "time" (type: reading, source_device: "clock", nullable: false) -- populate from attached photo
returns 8:33:32
